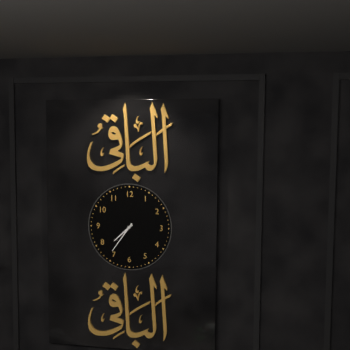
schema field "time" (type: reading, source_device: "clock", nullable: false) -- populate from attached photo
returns 7:36
